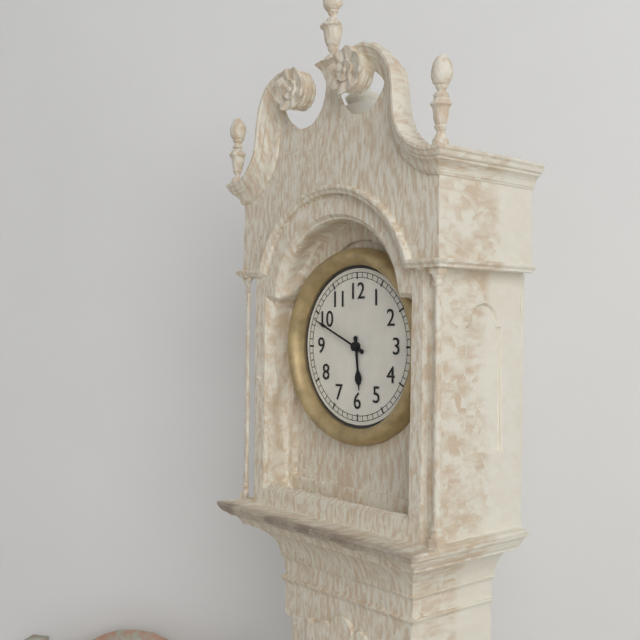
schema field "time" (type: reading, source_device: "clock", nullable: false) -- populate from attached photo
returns 5:49
